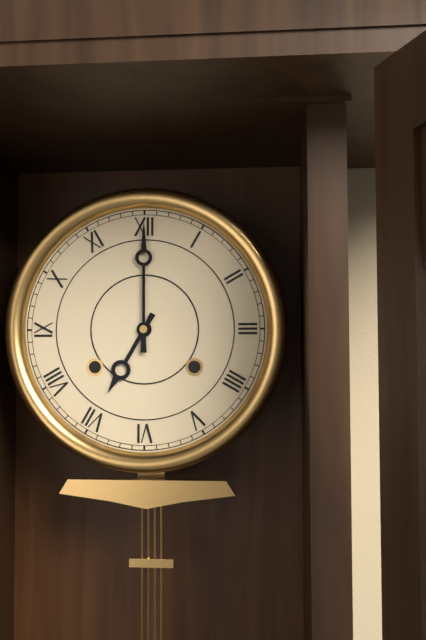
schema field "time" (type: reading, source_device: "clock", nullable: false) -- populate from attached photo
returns 7:00
